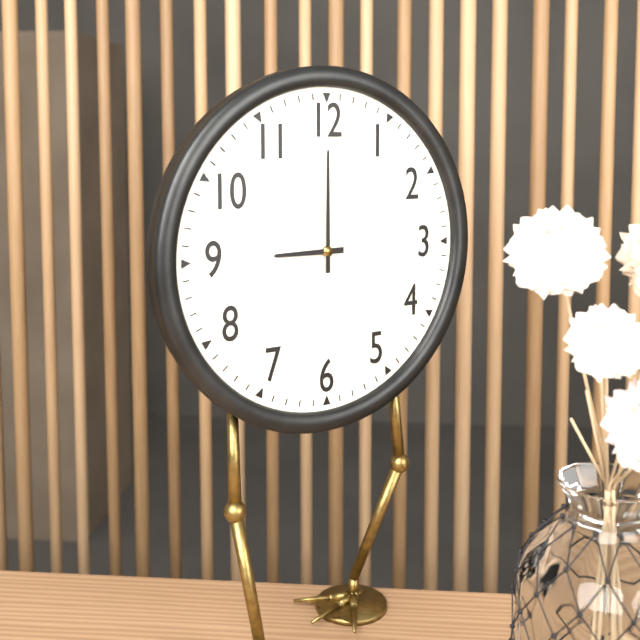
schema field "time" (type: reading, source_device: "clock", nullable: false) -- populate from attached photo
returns 9:00
